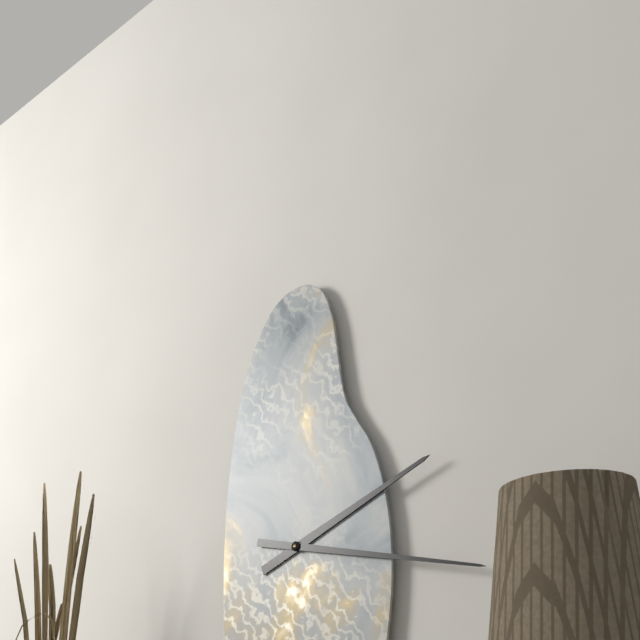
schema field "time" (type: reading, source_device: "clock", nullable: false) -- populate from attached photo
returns 2:17
